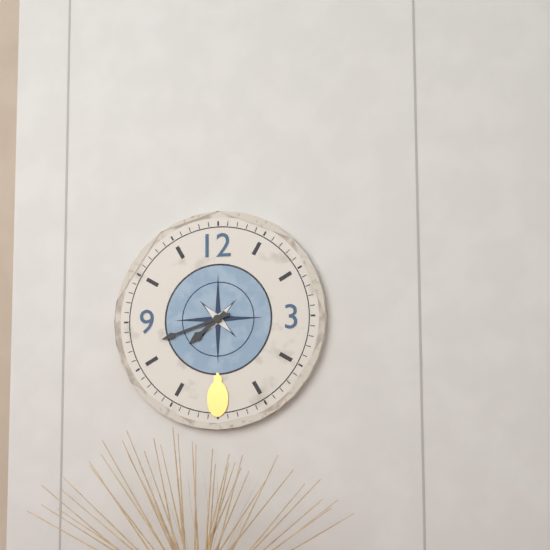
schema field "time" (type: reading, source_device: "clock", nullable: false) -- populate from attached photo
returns 7:42
